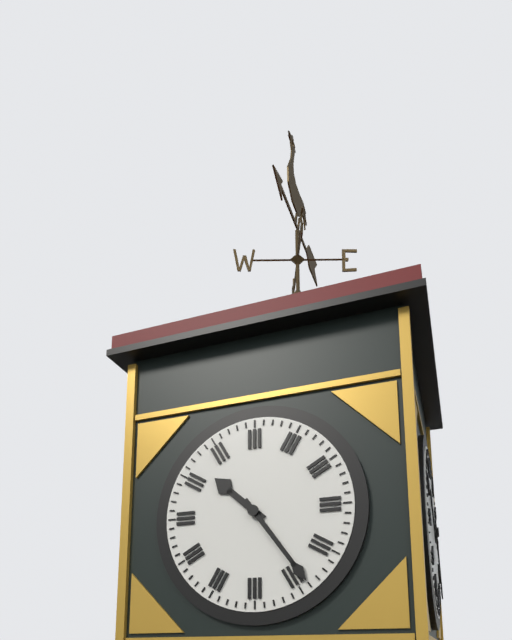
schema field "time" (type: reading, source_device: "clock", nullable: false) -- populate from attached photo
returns 10:24
